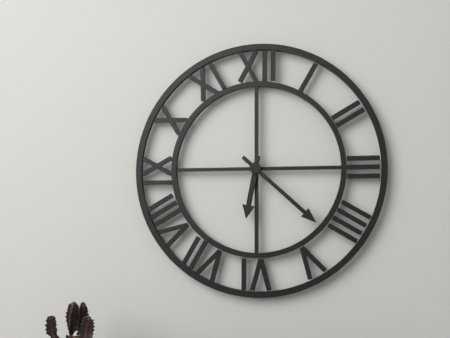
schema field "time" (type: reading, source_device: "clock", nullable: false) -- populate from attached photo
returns 6:22
